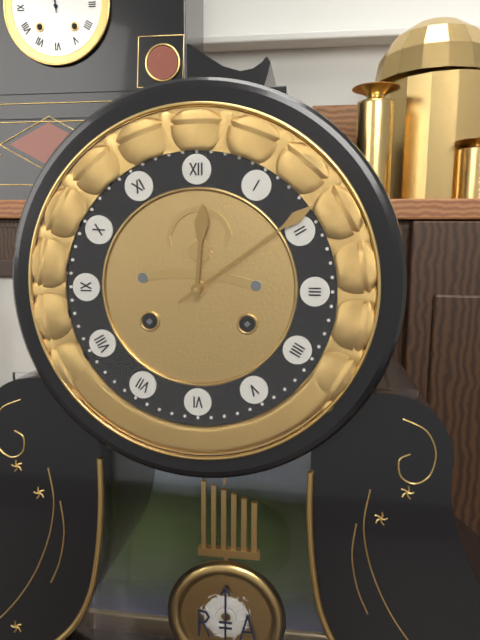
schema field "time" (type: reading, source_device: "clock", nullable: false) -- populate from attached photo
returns 12:09
